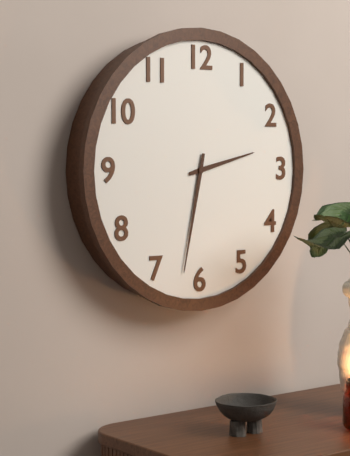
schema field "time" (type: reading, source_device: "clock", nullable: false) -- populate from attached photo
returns 2:32
